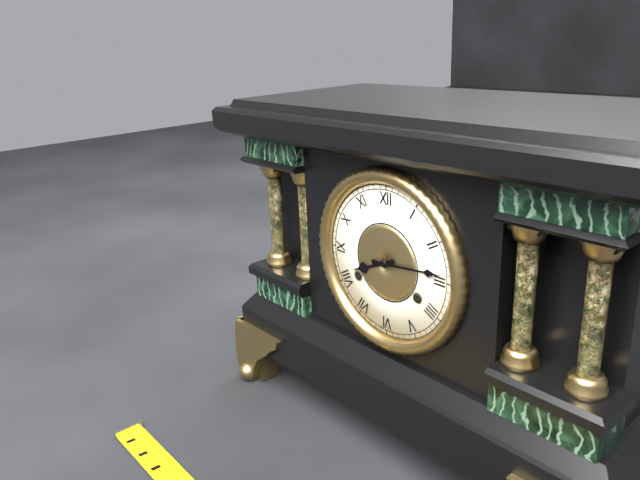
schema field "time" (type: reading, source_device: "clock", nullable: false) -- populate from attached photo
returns 8:14
